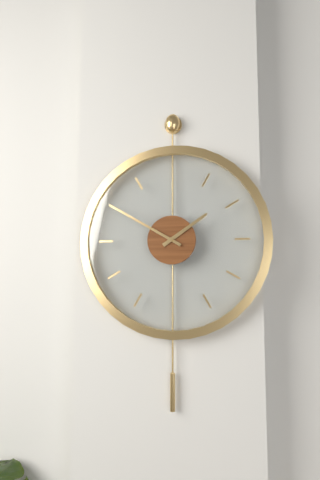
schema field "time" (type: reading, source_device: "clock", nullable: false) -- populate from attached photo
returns 1:50
